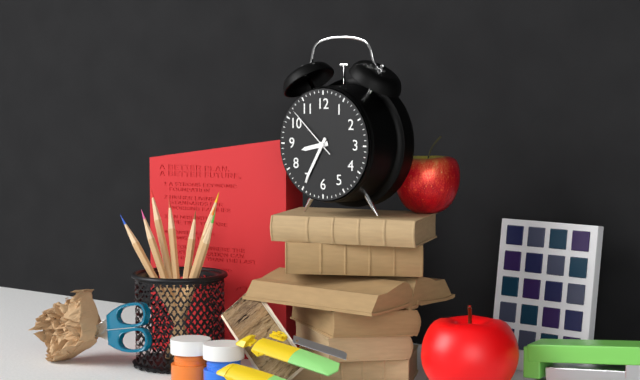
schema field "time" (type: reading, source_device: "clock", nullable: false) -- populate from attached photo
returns 8:35:52
